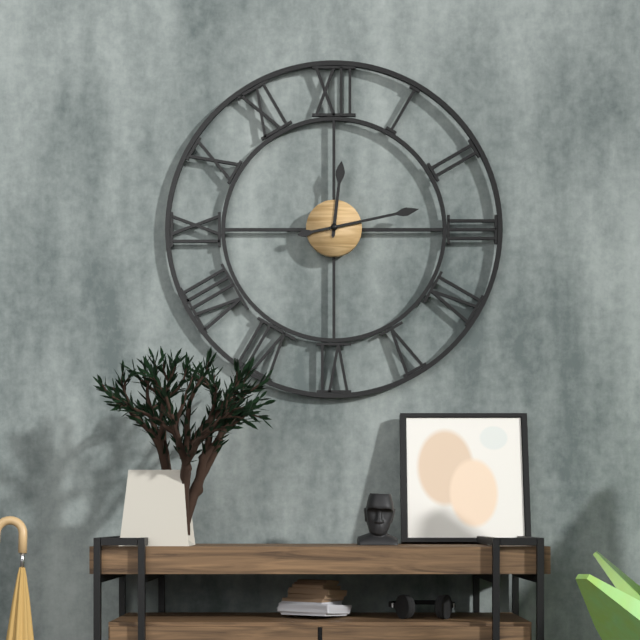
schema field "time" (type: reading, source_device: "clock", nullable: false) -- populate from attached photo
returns 12:13
